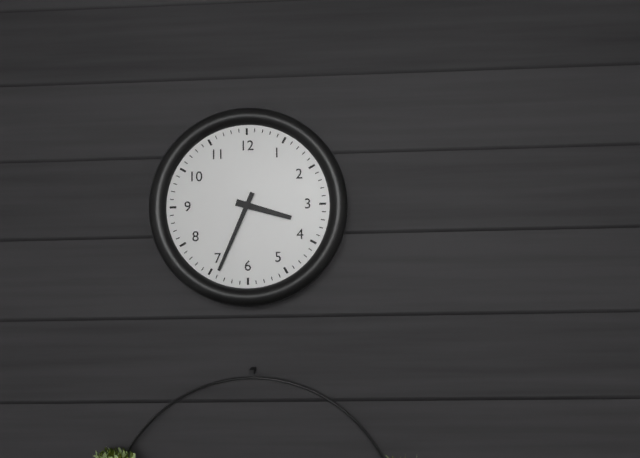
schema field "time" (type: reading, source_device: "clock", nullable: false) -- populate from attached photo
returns 3:34
